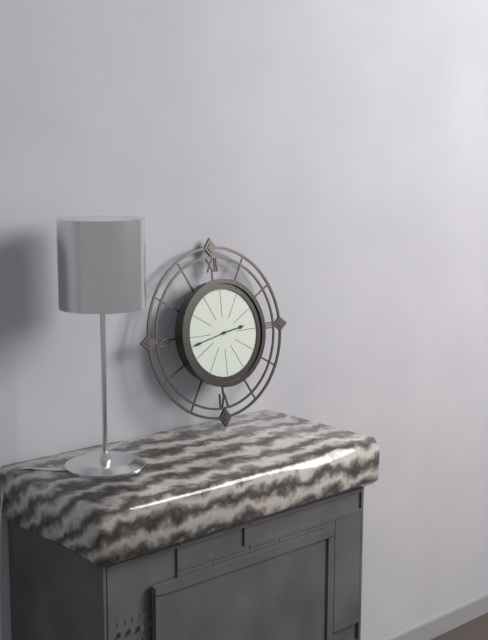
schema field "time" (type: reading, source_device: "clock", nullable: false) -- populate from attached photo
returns 2:43
